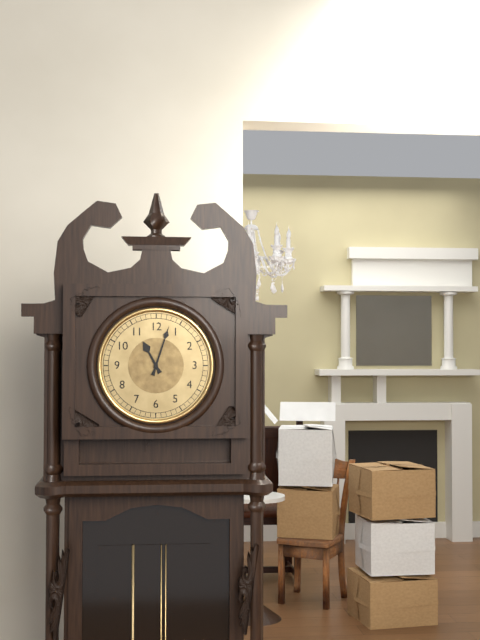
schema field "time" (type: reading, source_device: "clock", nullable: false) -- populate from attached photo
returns 11:03
